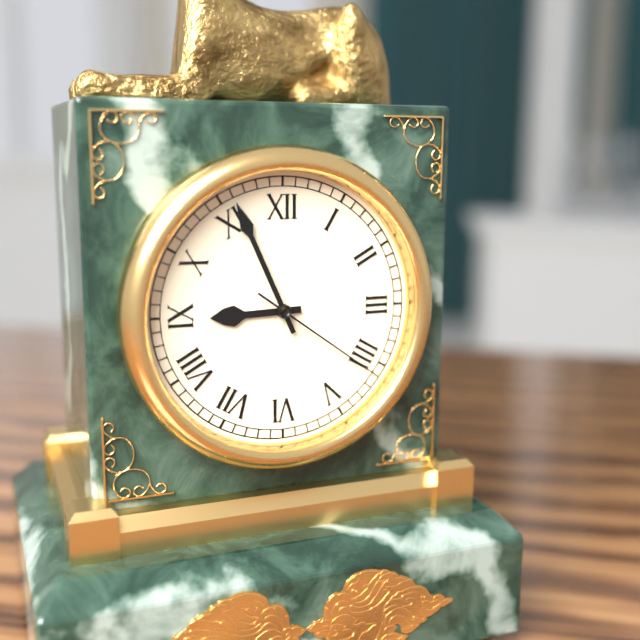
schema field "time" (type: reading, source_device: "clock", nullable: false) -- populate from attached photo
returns 8:56:21
